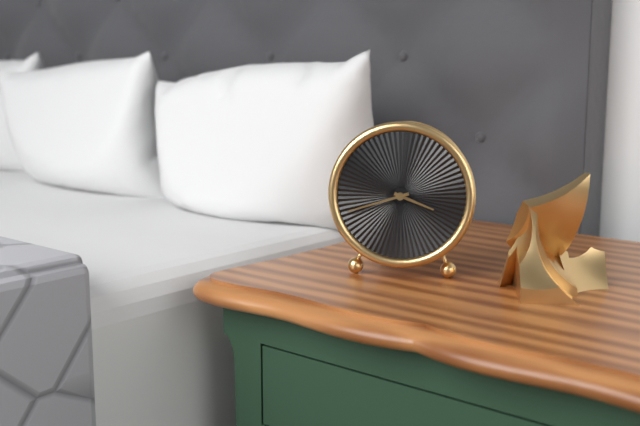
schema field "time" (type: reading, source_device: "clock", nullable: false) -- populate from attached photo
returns 3:42
